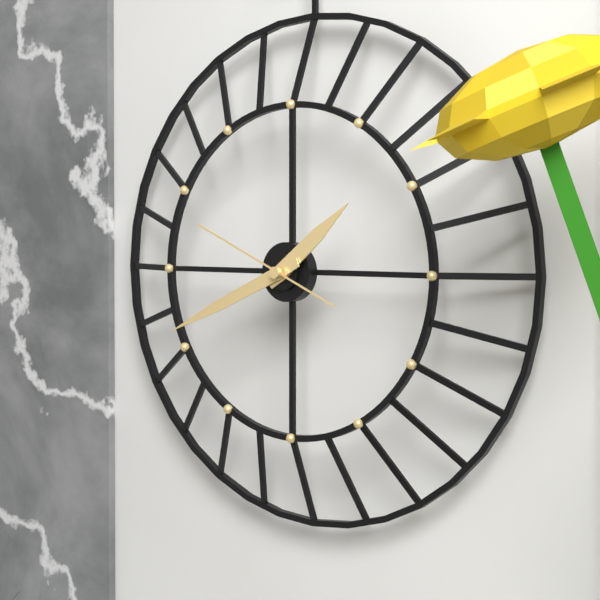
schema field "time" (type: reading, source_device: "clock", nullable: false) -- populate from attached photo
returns 1:41:49
